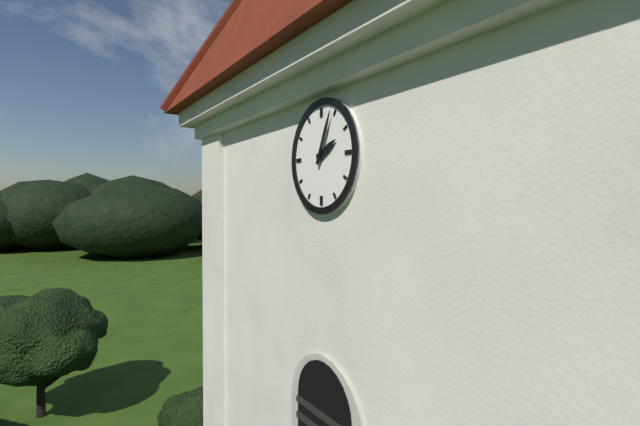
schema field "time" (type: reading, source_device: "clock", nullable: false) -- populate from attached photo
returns 2:04
